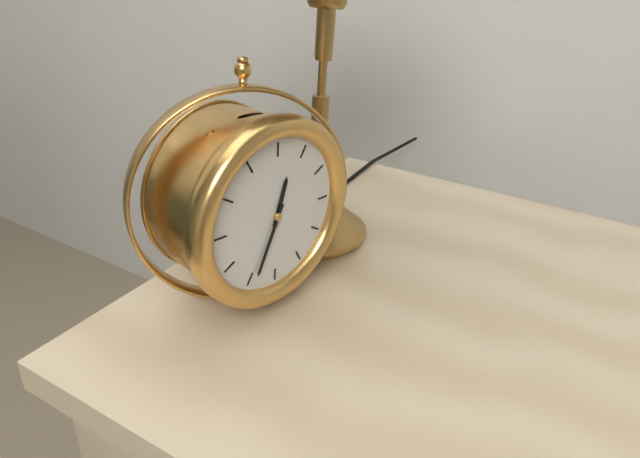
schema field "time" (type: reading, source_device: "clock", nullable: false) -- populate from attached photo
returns 12:34
